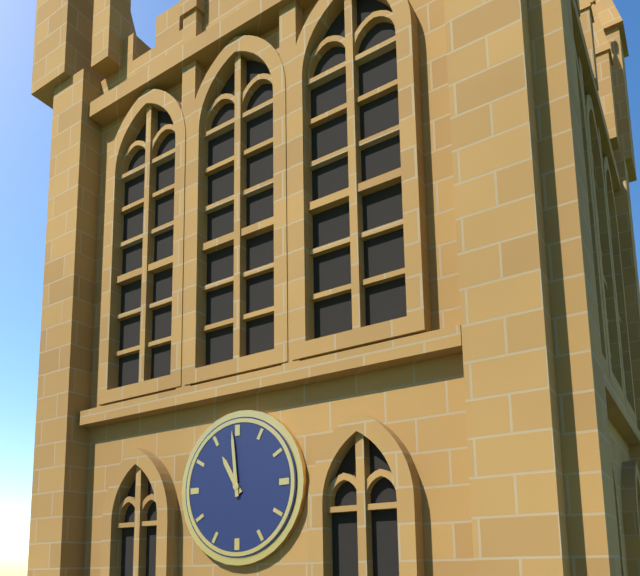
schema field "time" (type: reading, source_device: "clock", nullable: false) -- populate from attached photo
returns 10:59
